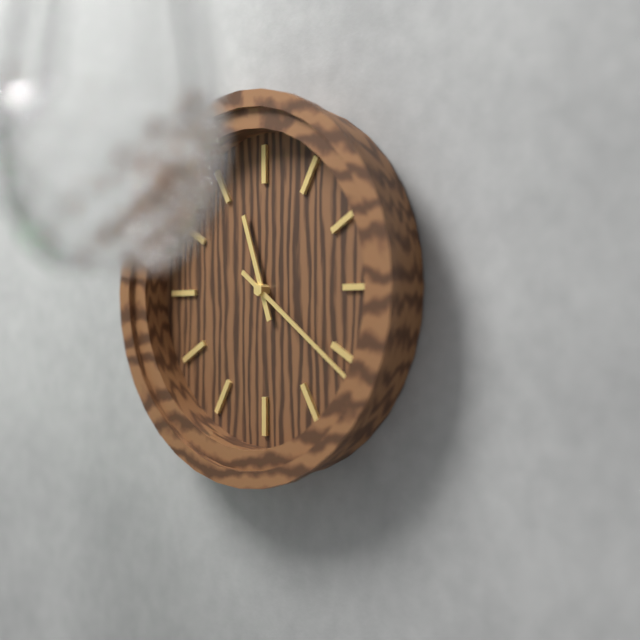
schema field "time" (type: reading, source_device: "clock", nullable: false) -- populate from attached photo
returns 11:21
